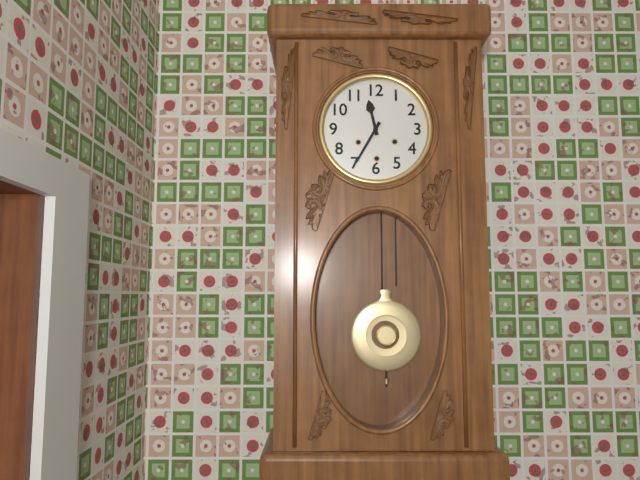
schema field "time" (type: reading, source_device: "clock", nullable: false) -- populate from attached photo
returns 11:35
